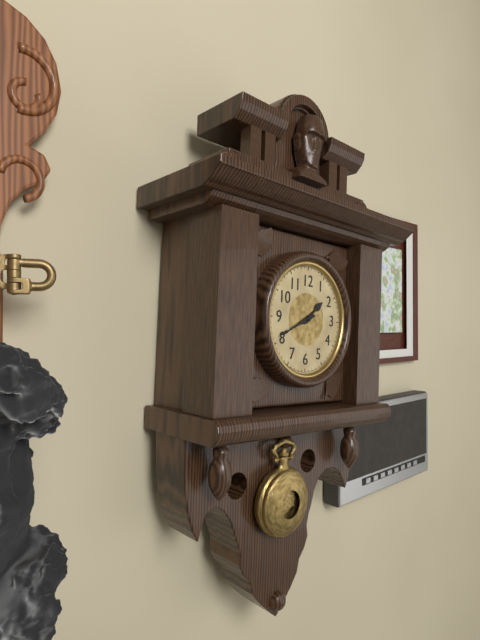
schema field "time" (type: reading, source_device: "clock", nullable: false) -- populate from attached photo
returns 1:41
